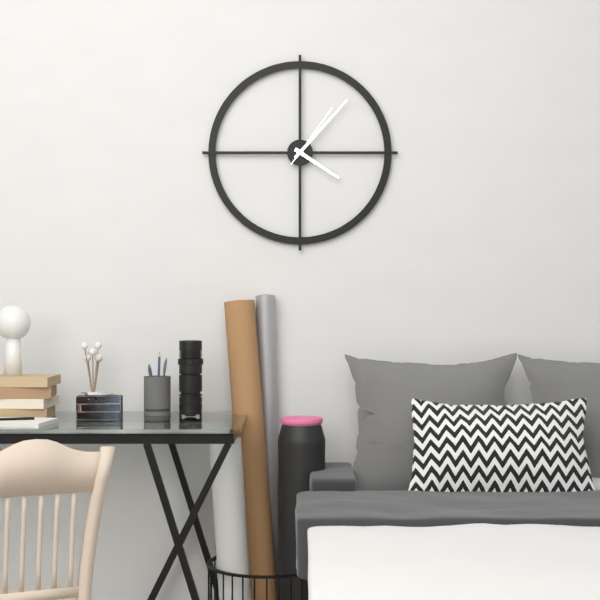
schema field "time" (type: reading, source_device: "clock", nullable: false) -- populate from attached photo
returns 4:07:06
